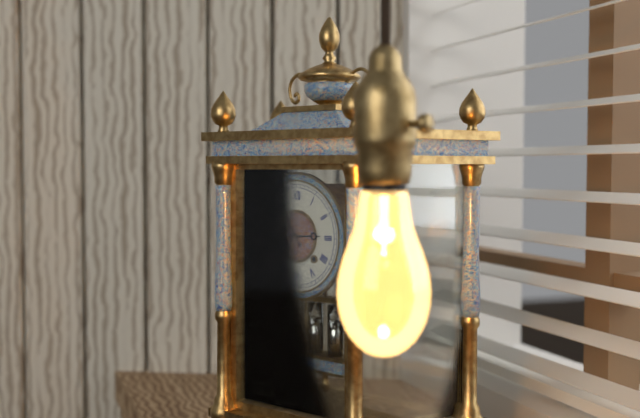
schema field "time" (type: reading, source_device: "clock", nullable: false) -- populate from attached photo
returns 2:54
